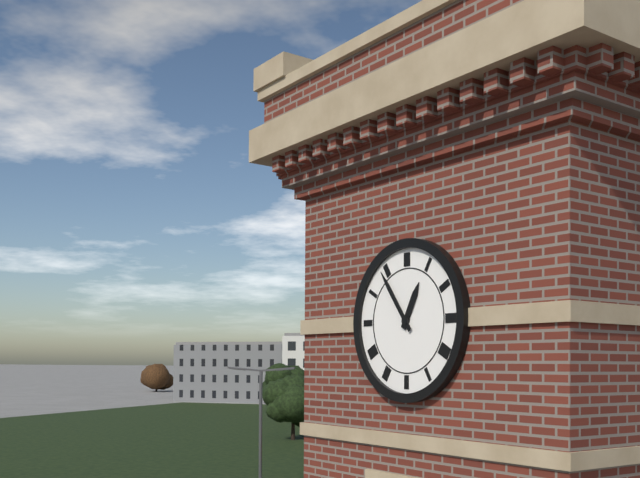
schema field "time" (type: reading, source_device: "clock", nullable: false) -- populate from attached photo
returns 12:54
